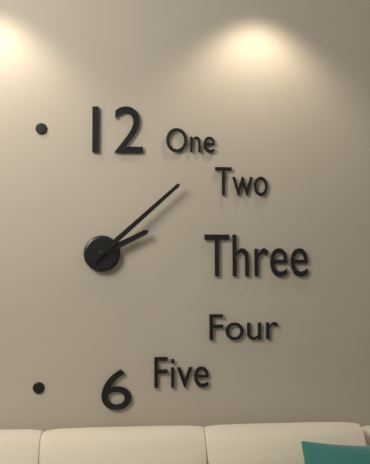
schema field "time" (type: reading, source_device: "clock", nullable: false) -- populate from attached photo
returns 2:08
